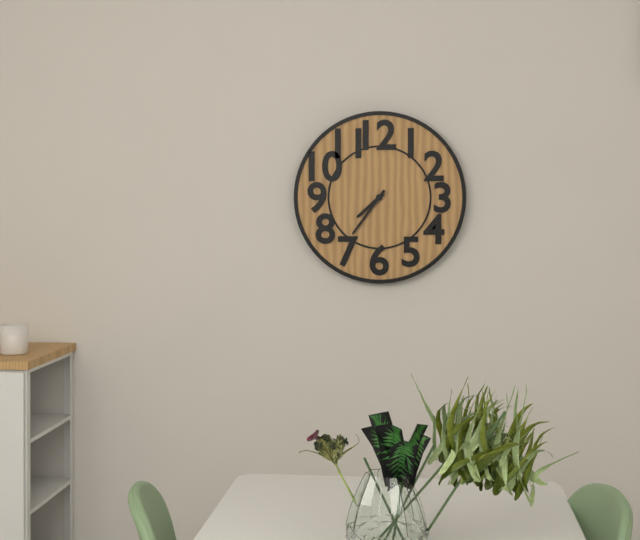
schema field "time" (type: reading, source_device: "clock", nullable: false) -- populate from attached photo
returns 7:36
